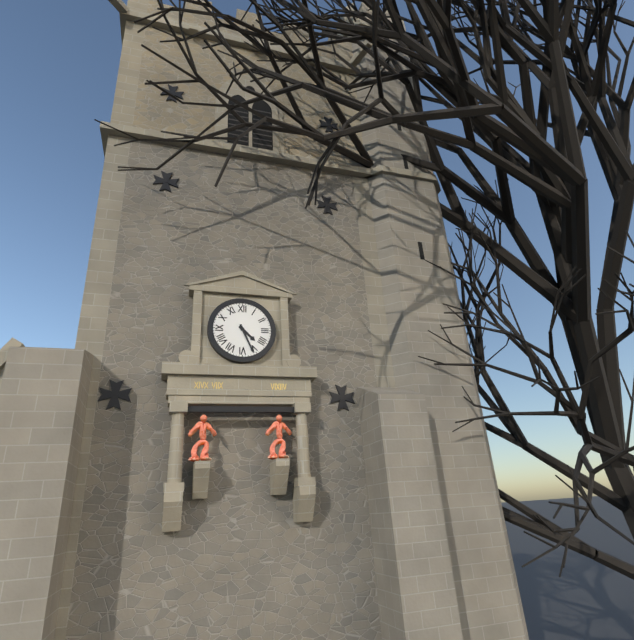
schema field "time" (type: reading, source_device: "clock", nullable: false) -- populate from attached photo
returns 4:26
